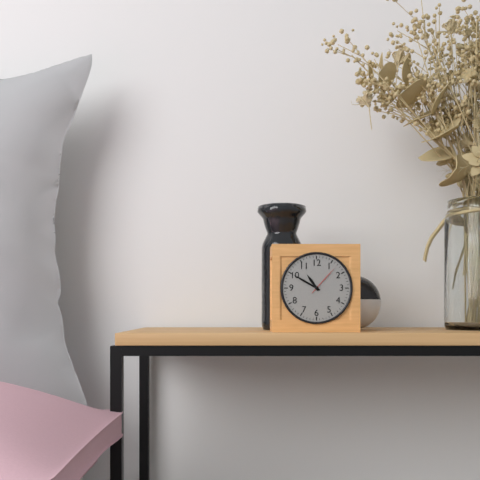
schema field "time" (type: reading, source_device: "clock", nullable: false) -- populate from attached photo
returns 10:50
